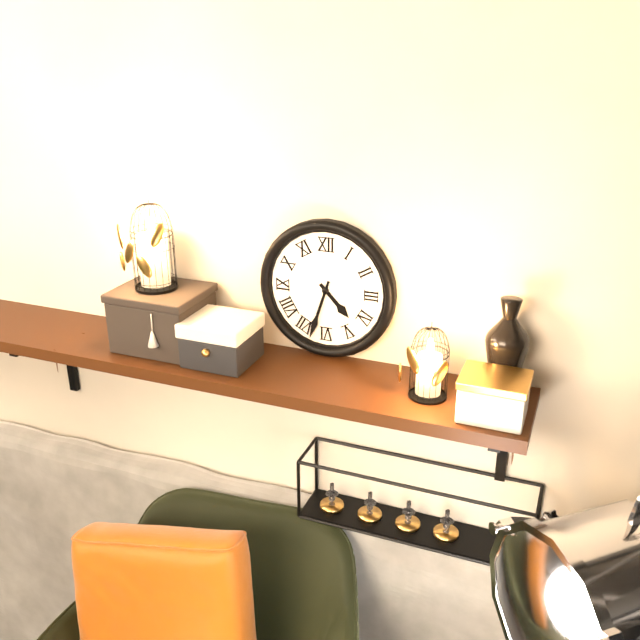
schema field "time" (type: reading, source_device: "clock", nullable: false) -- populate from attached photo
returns 4:33
